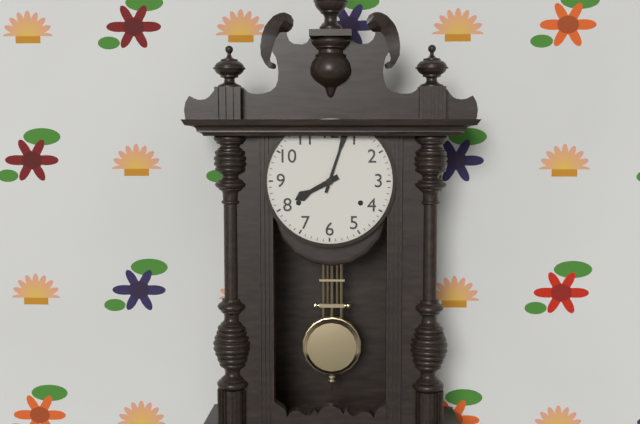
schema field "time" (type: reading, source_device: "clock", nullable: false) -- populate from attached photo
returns 8:03
